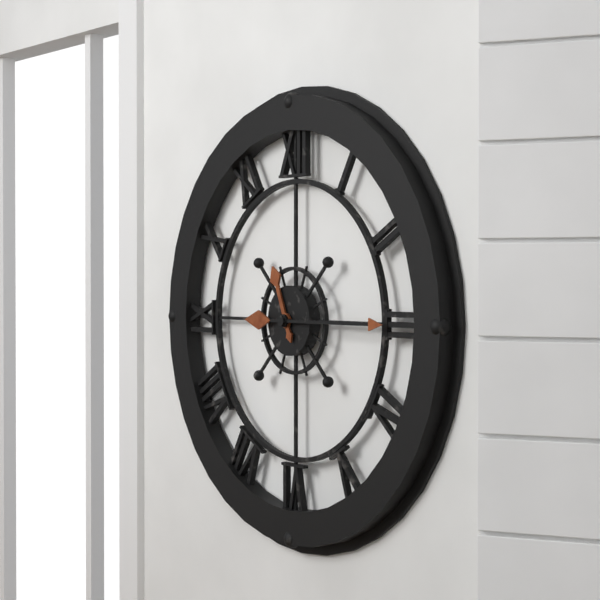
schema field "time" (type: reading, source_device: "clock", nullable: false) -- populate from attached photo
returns 11:15
